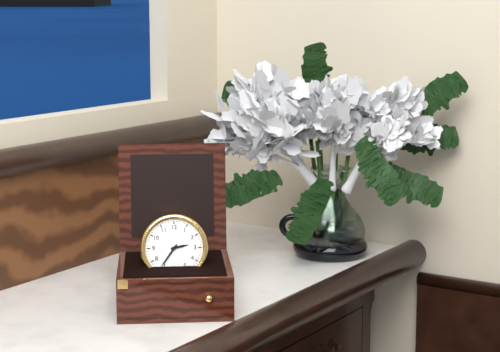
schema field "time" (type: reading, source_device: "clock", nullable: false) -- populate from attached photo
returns 2:36
